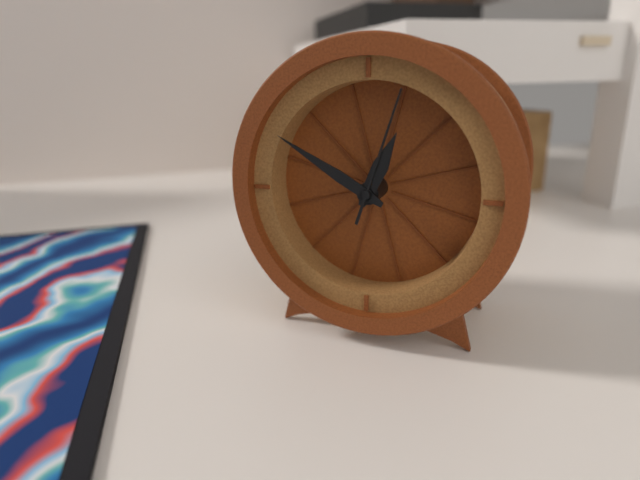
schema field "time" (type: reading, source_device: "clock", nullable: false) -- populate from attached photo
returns 12:50:03
